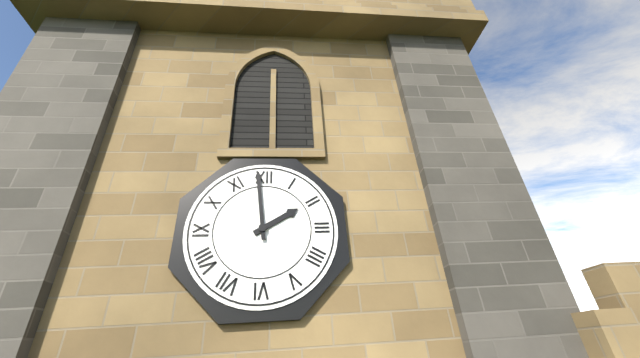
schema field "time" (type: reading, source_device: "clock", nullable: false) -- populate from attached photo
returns 1:59
